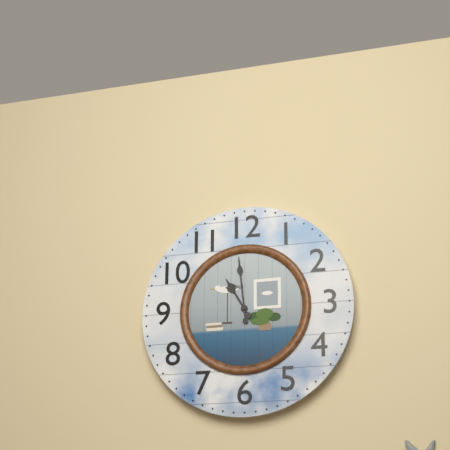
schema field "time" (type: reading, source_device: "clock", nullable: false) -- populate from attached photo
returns 10:59
